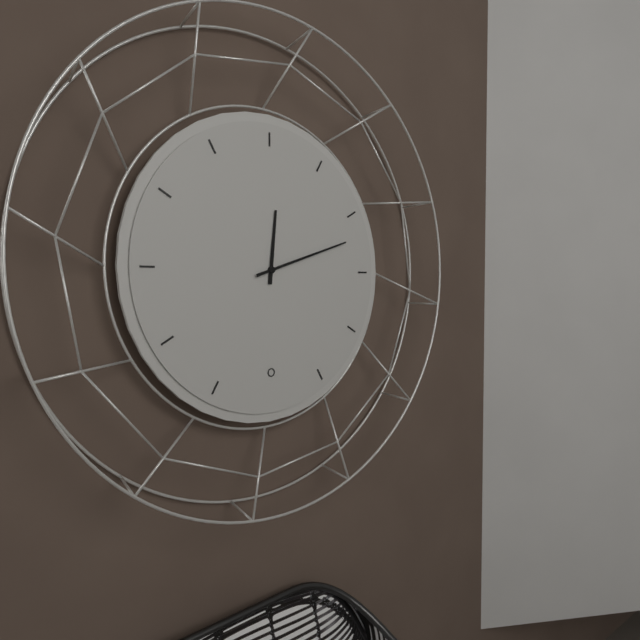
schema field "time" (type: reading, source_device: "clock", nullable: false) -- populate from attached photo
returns 12:12
